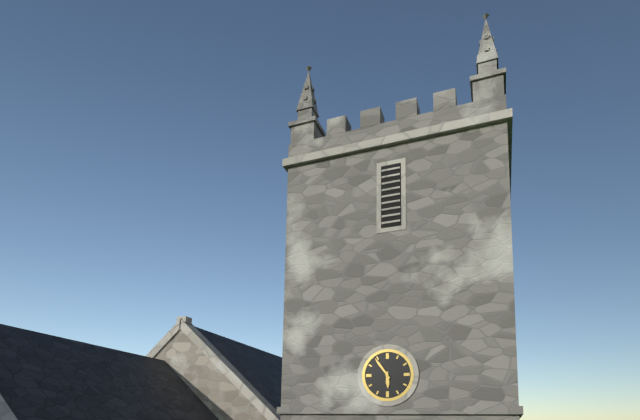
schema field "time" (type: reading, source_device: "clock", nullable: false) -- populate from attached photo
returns 5:54
